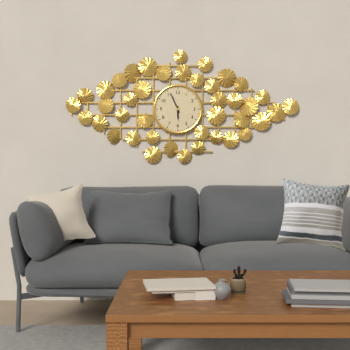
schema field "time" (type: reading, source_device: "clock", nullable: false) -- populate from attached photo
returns 5:56
